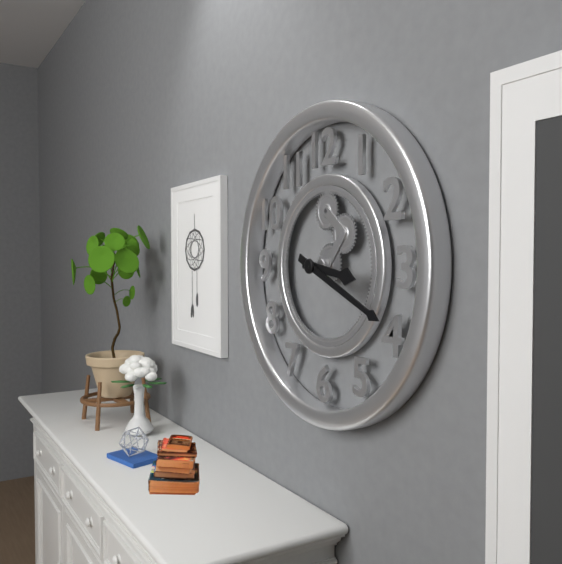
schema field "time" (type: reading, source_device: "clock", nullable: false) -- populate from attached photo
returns 3:19
